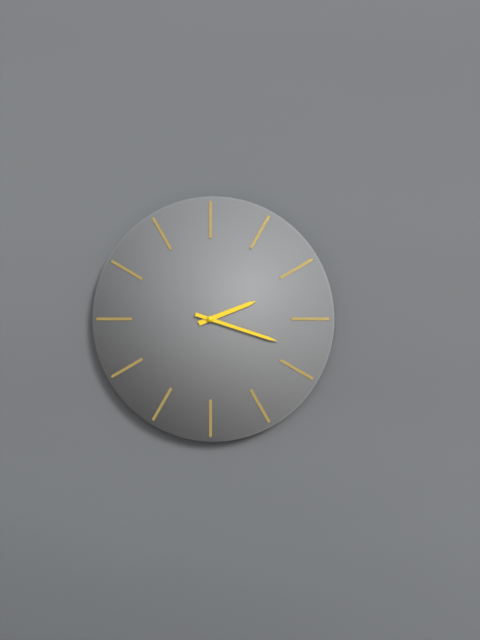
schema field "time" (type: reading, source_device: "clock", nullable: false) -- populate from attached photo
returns 2:18
